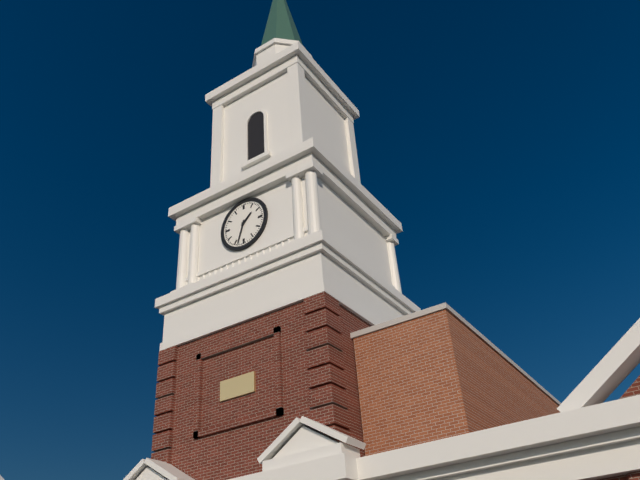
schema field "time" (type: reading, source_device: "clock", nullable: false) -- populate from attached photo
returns 1:33
